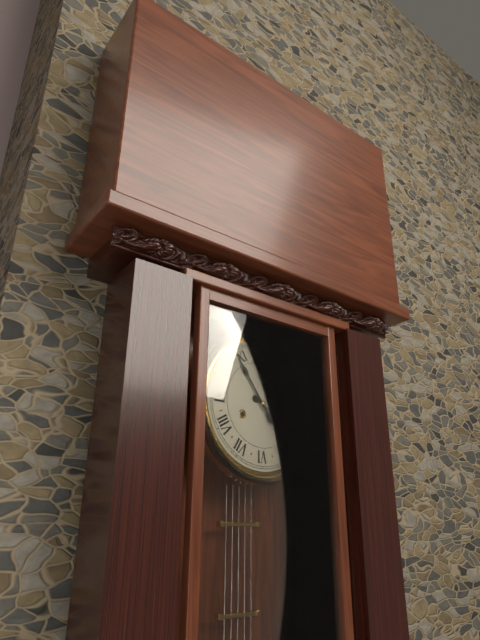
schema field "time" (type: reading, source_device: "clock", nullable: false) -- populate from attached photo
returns 3:54
